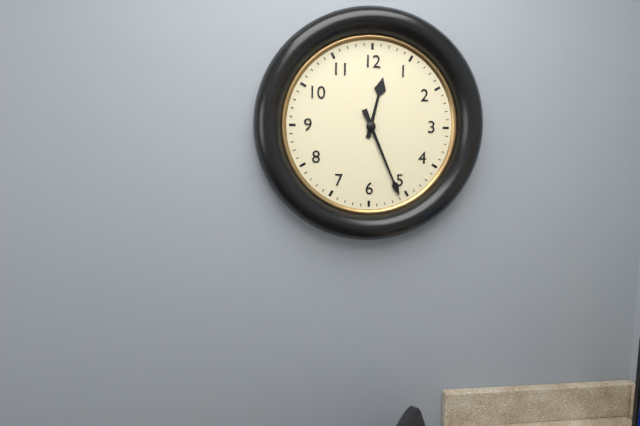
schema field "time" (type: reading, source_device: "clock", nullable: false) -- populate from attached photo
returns 12:26
